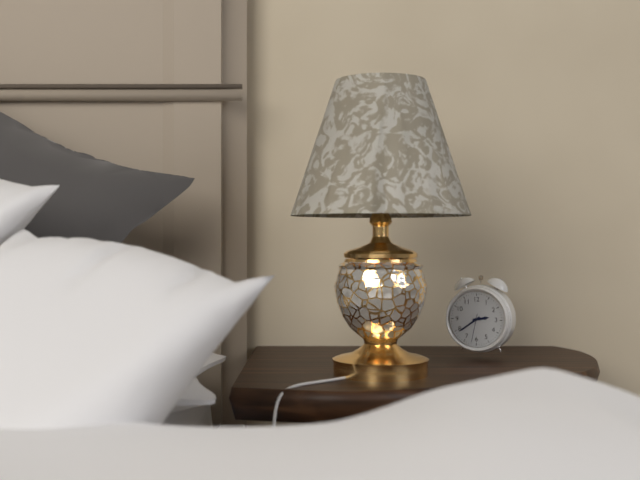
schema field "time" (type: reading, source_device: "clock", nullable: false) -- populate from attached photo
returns 2:39
